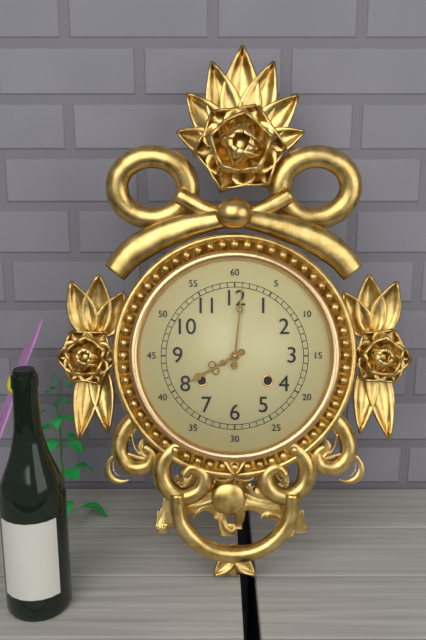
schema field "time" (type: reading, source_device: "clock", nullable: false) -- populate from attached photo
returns 8:01
